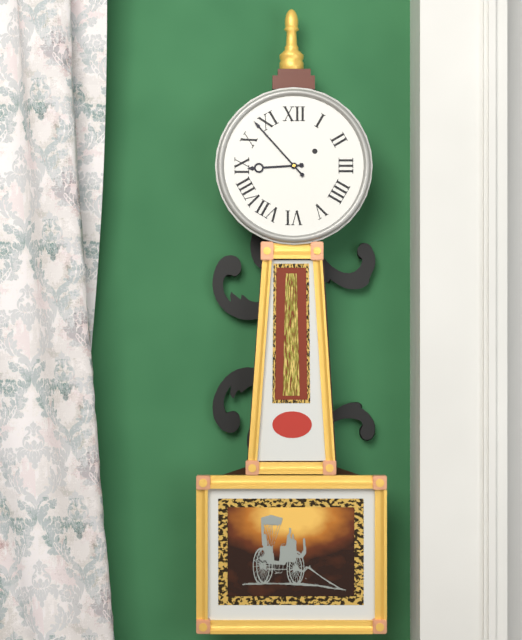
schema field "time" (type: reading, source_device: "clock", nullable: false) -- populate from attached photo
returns 8:53
